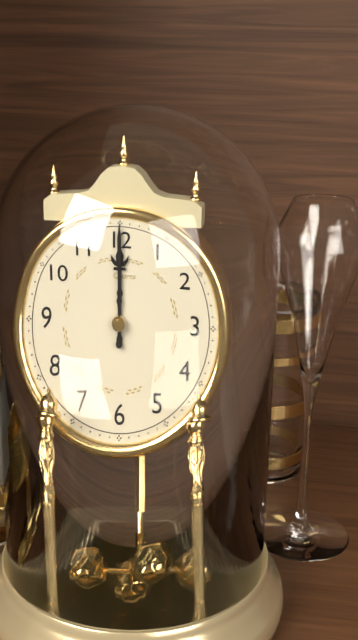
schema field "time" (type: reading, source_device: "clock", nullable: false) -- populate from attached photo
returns 12:00
